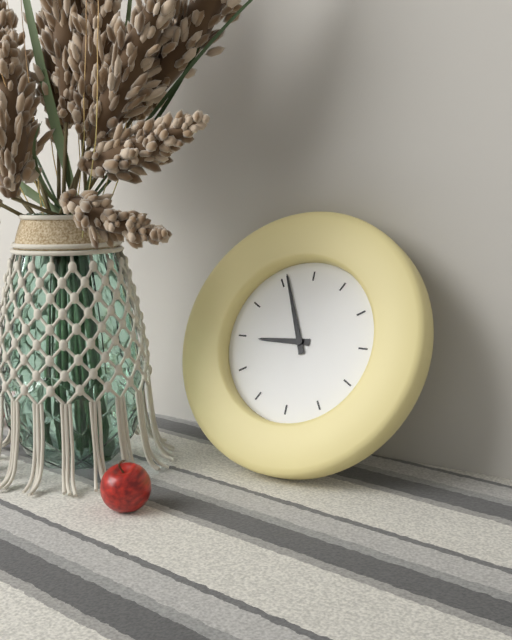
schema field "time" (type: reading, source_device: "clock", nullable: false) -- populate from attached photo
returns 8:56
